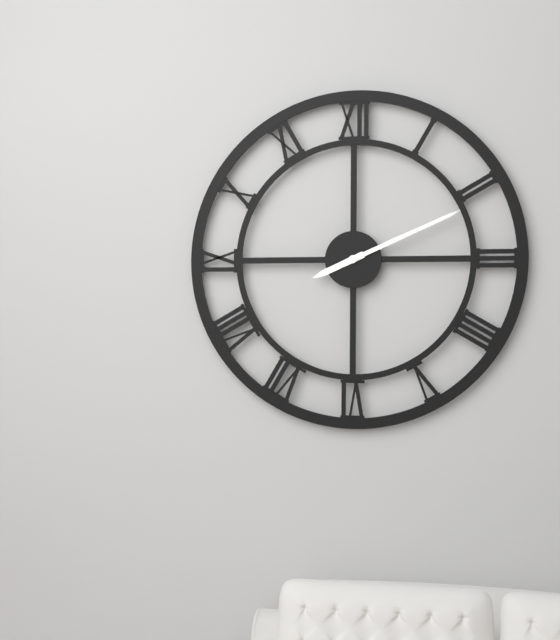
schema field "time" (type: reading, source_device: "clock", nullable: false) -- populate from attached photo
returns 8:11
